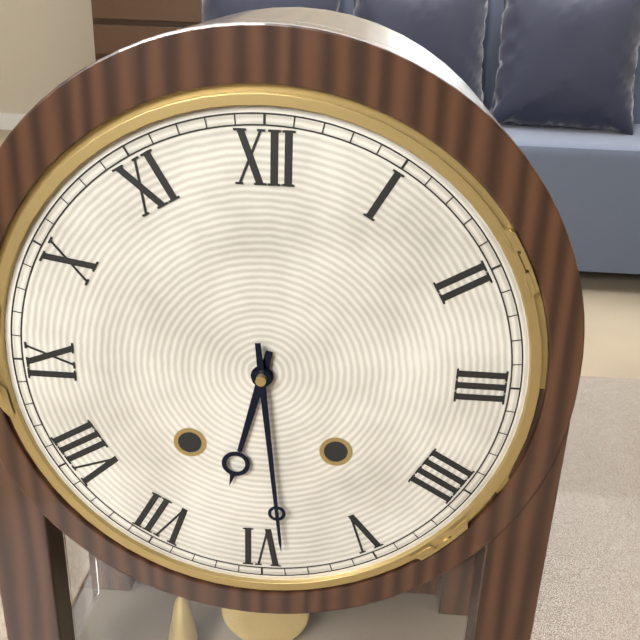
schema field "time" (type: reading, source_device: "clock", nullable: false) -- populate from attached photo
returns 6:29
